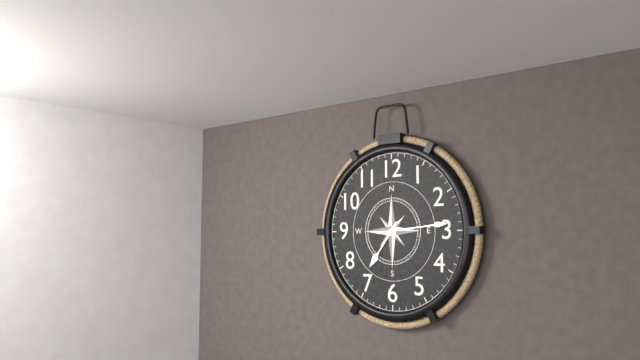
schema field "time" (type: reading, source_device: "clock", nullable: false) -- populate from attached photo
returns 7:14
